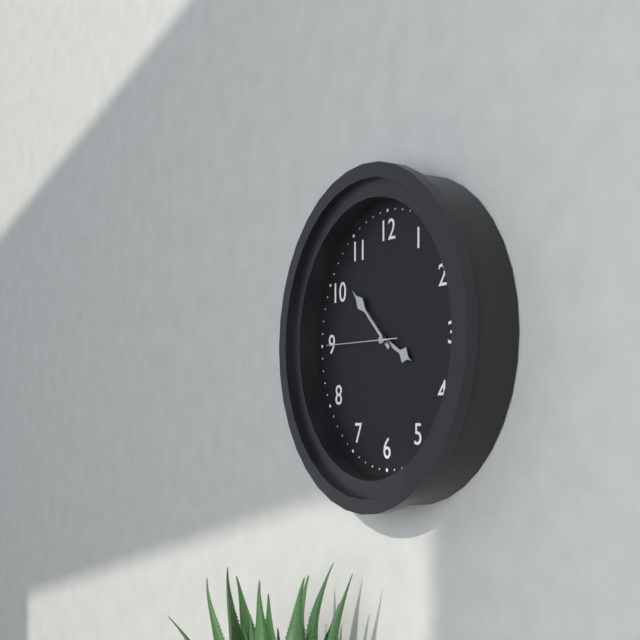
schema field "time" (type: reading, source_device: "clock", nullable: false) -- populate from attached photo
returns 3:52:45
